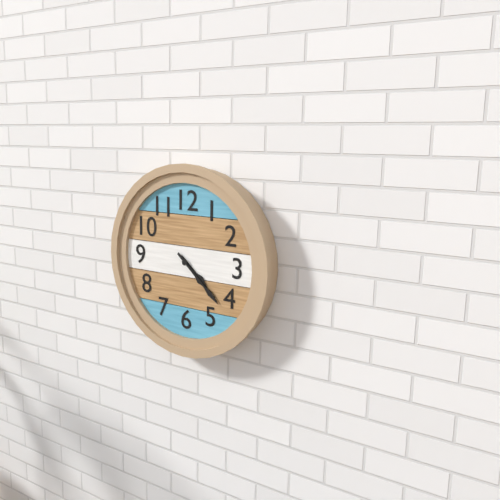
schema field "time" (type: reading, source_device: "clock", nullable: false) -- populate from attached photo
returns 4:22
